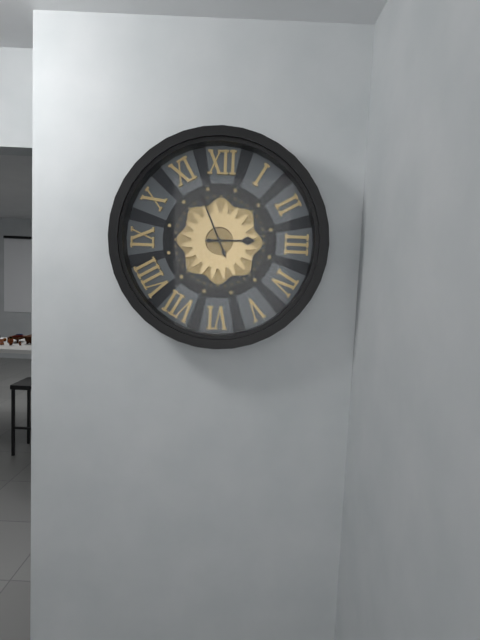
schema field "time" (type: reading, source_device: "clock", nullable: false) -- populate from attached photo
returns 2:56
